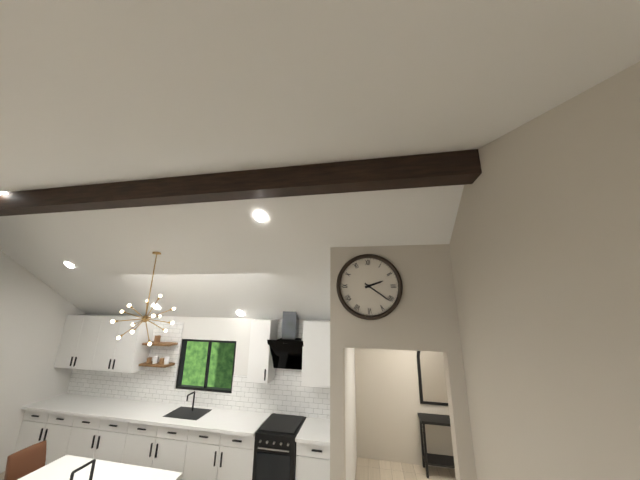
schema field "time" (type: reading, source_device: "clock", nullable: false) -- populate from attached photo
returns 2:21
